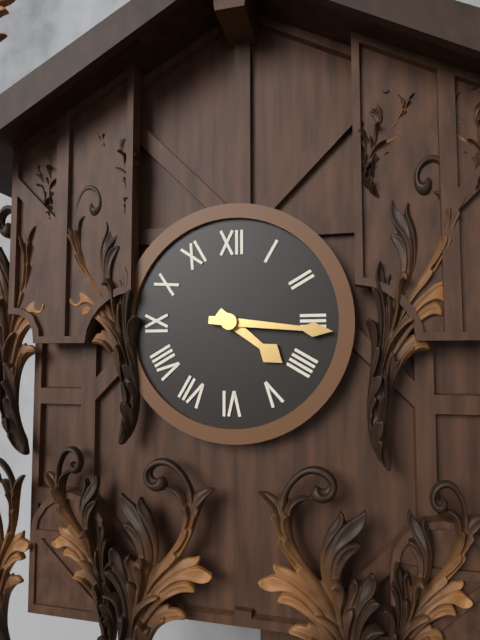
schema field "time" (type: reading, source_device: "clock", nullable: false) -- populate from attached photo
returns 4:16
